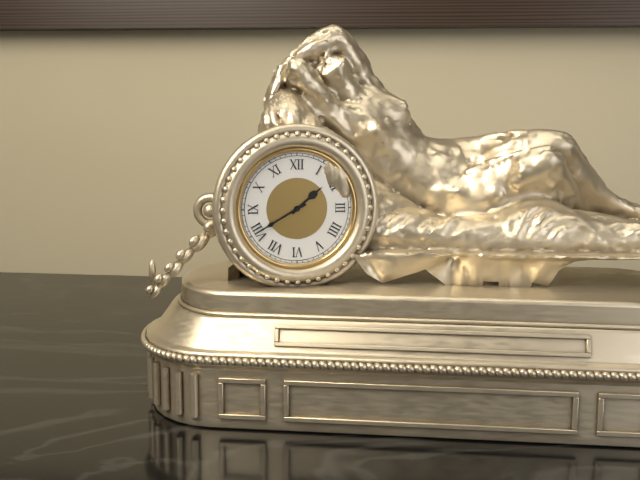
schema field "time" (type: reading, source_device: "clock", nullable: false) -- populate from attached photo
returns 1:40
